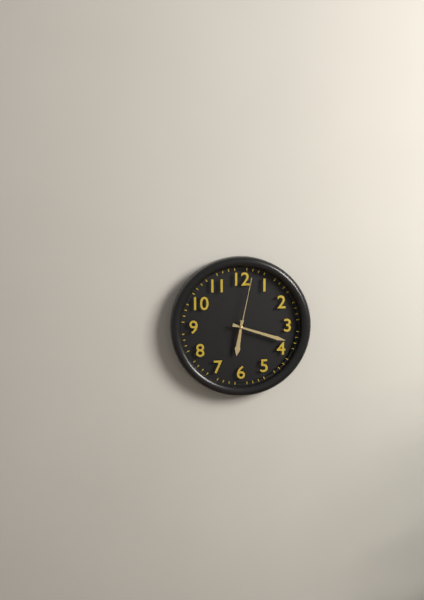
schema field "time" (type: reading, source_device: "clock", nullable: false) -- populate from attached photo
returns 6:18:02
